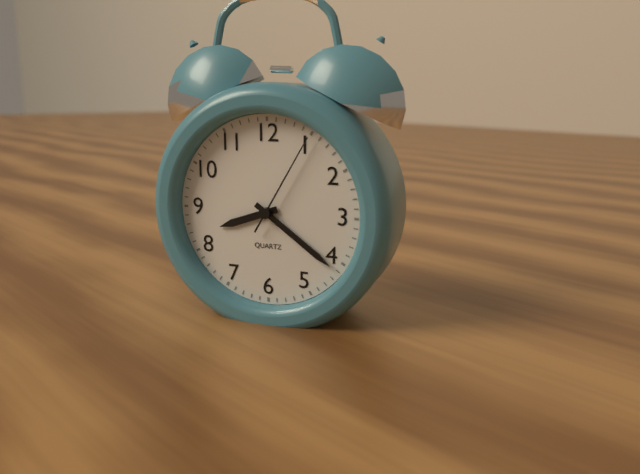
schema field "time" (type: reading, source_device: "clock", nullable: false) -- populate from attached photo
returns 8:21:05
